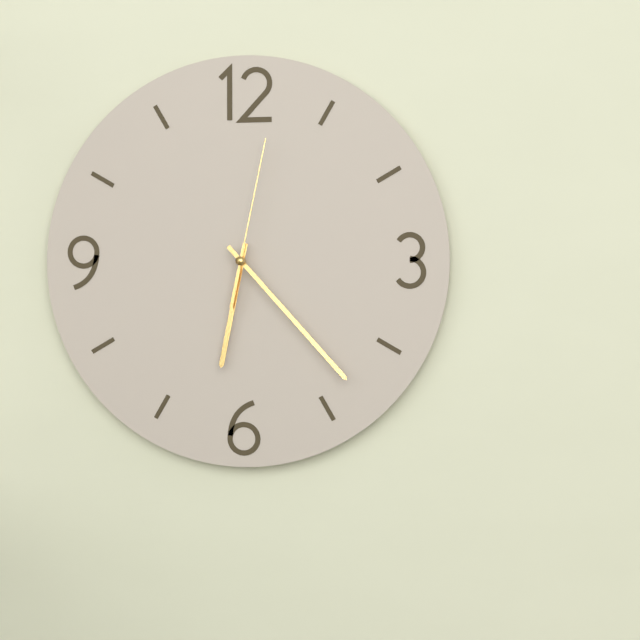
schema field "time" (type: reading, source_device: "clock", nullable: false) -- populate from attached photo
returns 6:23:02
